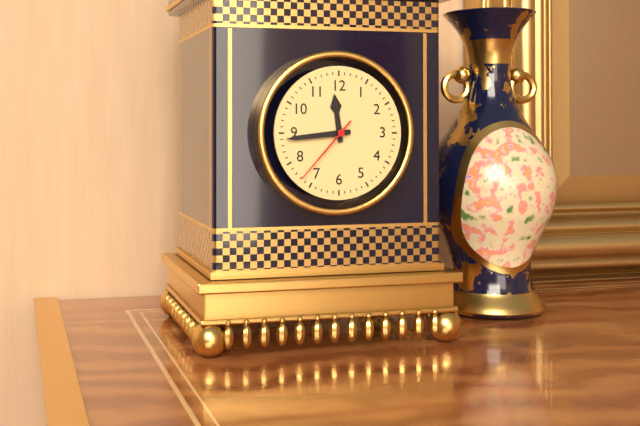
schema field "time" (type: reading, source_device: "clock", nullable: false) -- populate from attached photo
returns 11:44:37
